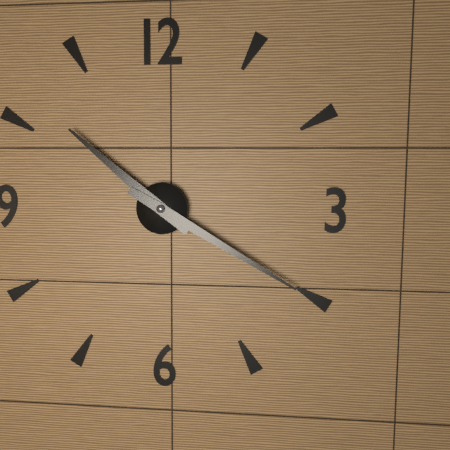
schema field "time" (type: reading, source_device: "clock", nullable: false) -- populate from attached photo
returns 10:20
